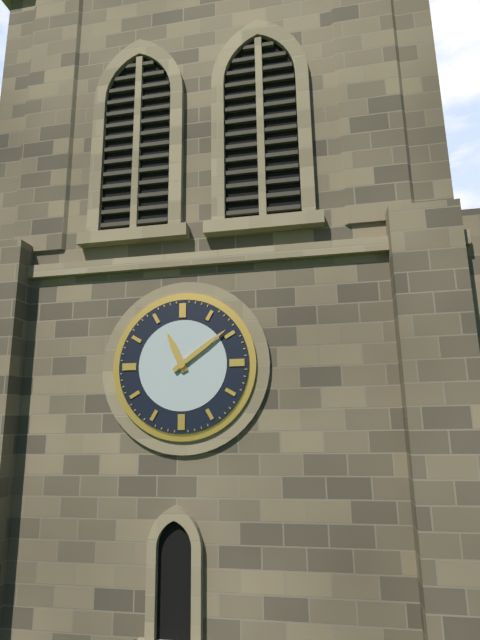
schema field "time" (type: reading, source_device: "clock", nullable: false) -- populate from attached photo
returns 11:09
